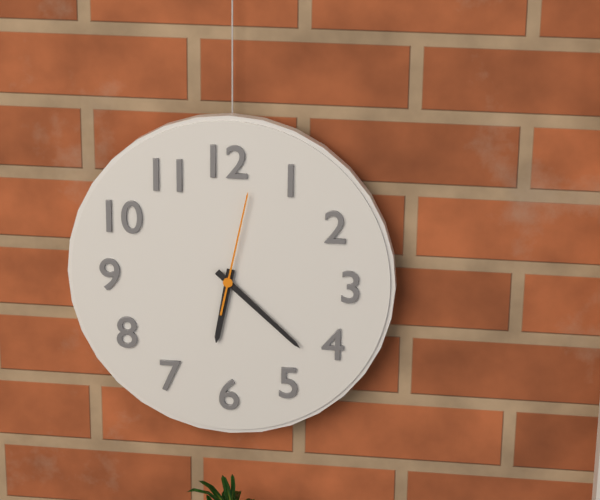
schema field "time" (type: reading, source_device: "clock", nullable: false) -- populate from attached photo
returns 6:22:02
